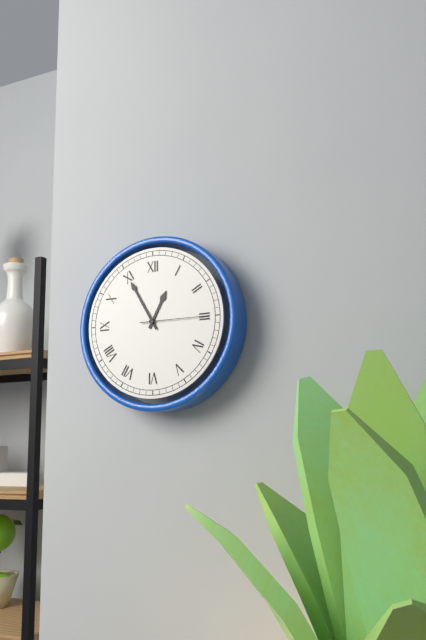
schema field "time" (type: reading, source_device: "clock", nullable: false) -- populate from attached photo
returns 12:55:15
